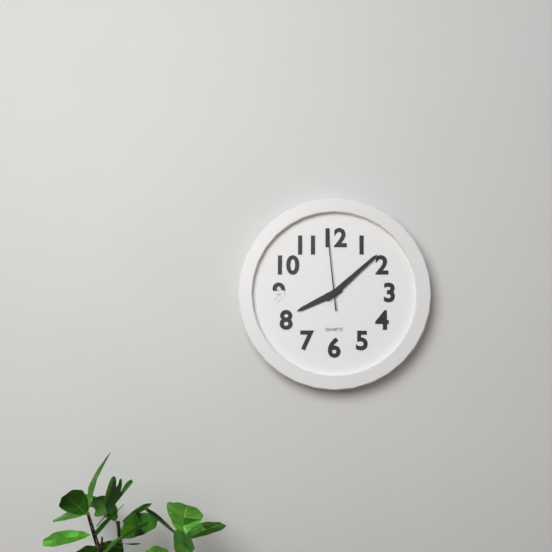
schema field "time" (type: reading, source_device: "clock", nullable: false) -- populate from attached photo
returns 8:08:59
